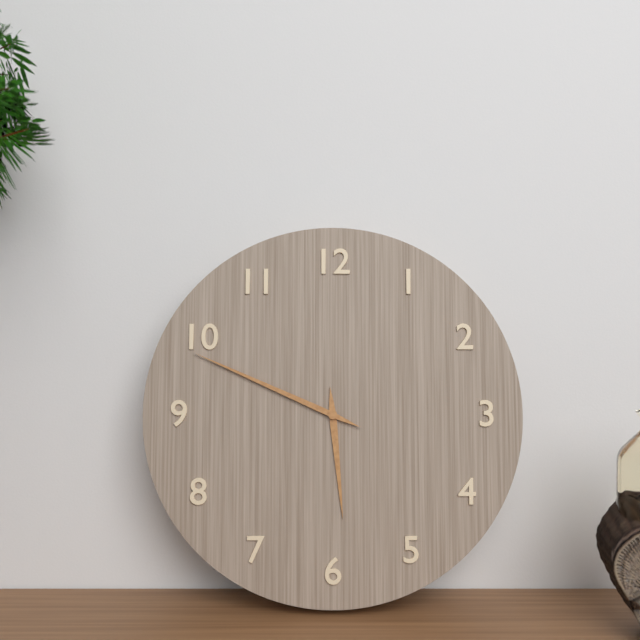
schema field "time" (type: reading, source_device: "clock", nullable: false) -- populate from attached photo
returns 5:49
